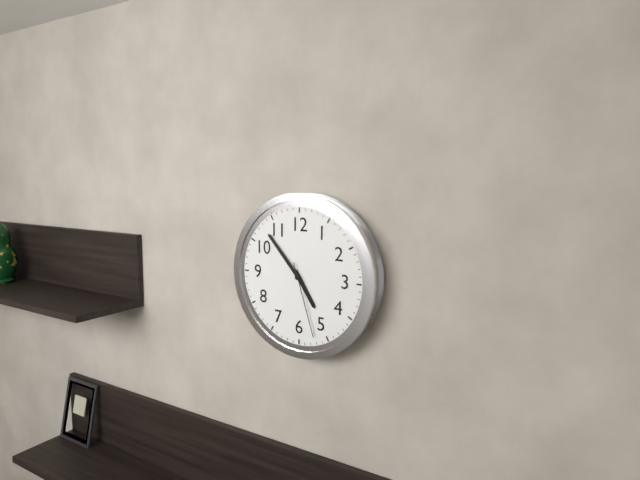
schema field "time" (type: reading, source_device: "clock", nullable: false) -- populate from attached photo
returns 4:53:27
